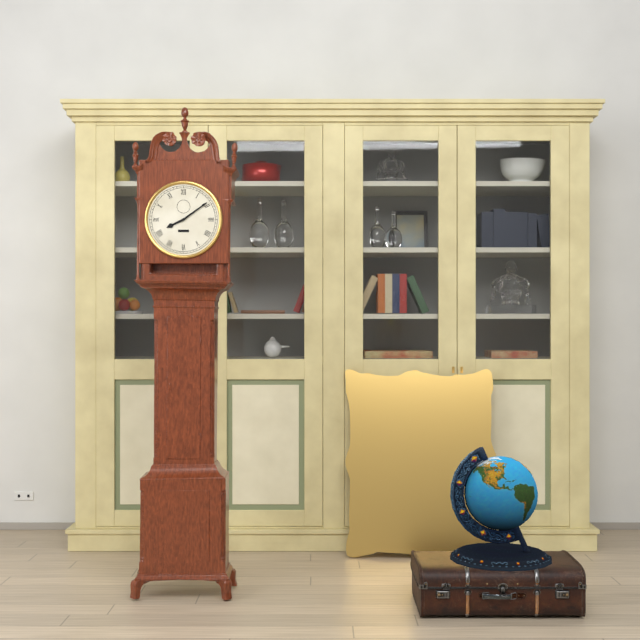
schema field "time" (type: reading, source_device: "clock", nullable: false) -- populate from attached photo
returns 8:09
